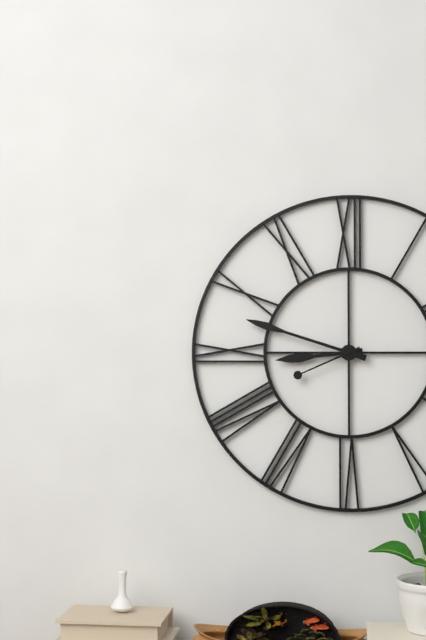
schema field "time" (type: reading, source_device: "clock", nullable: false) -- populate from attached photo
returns 8:48:41
